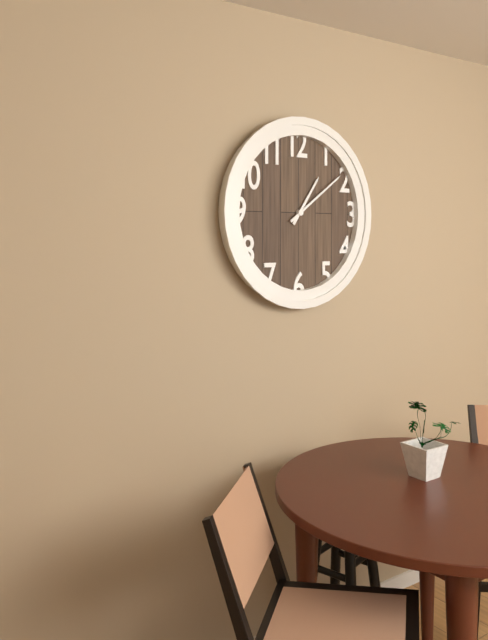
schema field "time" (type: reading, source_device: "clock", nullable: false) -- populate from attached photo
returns 1:09
